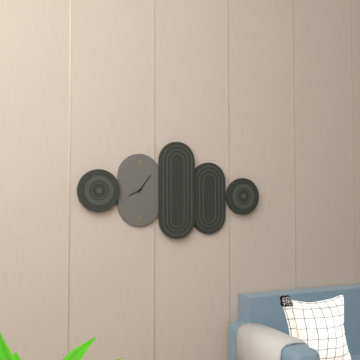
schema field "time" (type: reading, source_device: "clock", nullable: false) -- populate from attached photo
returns 8:06
